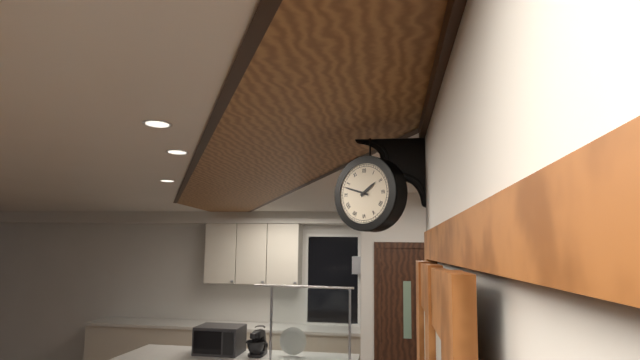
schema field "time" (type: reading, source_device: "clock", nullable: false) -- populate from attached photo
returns 1:48
